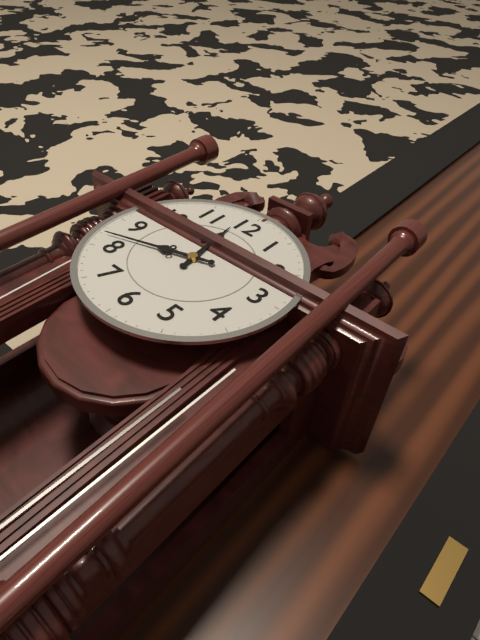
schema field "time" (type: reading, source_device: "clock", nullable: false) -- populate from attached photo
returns 11:42
